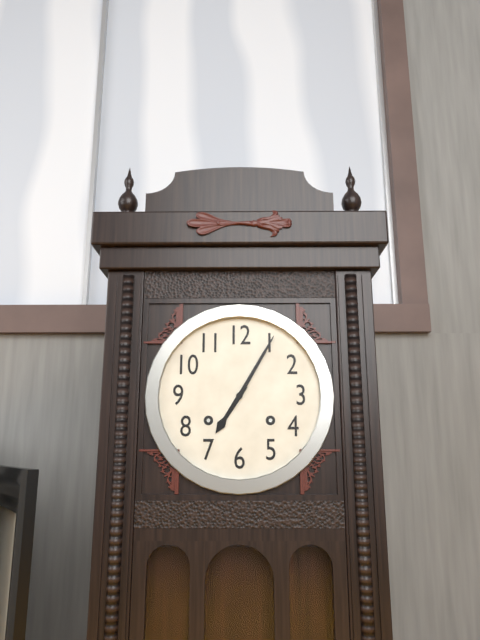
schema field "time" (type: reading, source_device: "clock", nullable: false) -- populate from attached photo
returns 7:05
